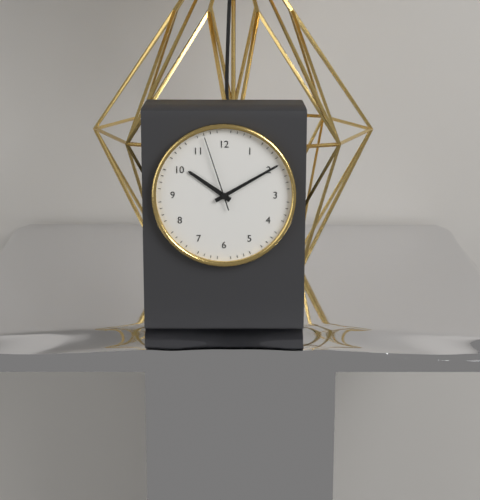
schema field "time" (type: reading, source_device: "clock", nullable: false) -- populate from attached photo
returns 10:10:57
